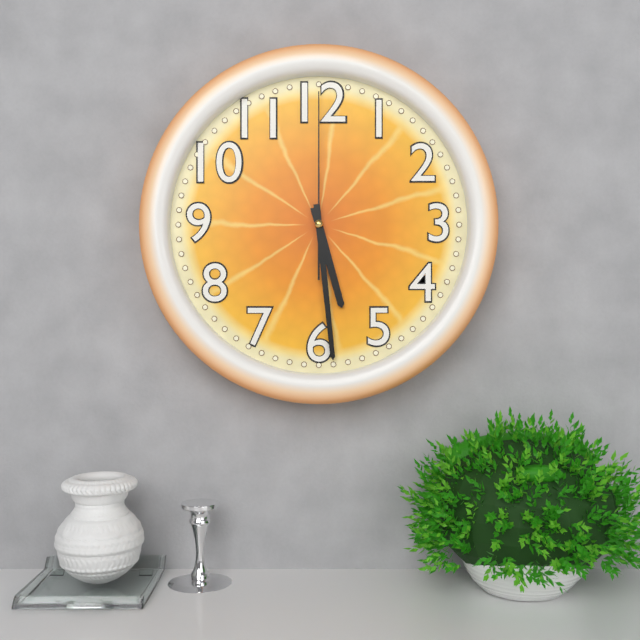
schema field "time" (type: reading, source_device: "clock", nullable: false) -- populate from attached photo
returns 5:29:00
